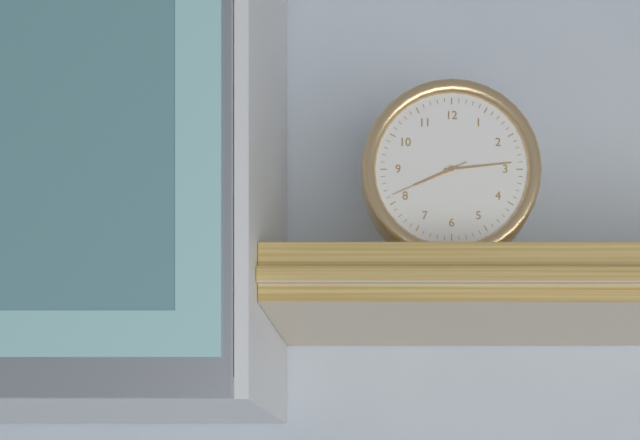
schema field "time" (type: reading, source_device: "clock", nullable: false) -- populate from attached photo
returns 8:14:41
